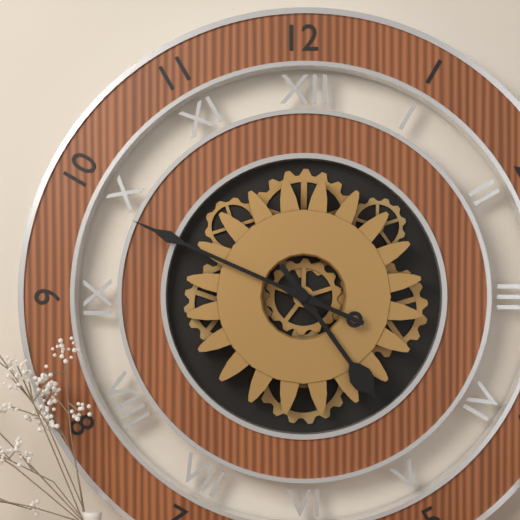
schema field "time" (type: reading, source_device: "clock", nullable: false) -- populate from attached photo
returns 4:49
